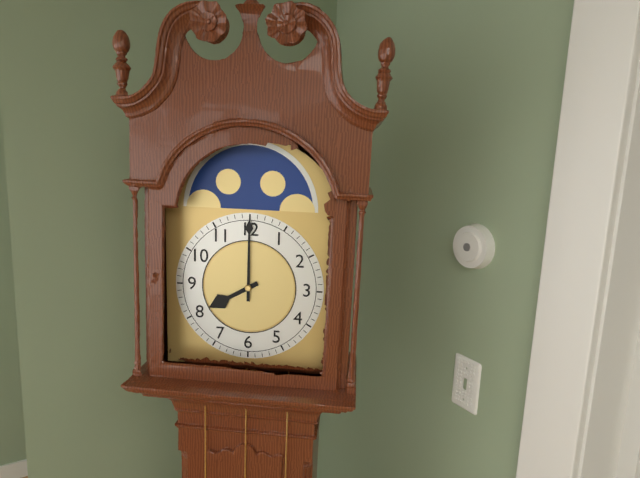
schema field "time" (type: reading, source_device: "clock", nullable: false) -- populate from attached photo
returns 8:00
